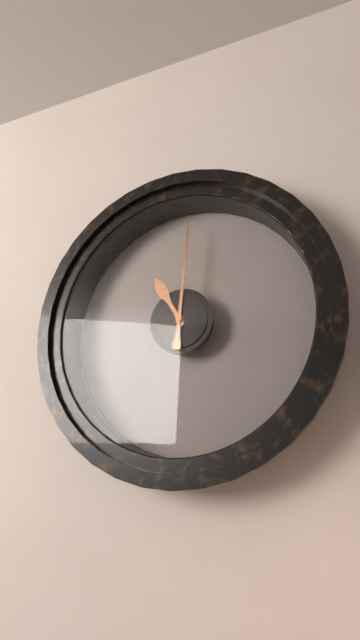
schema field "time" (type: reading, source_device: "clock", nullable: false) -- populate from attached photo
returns 11:01
